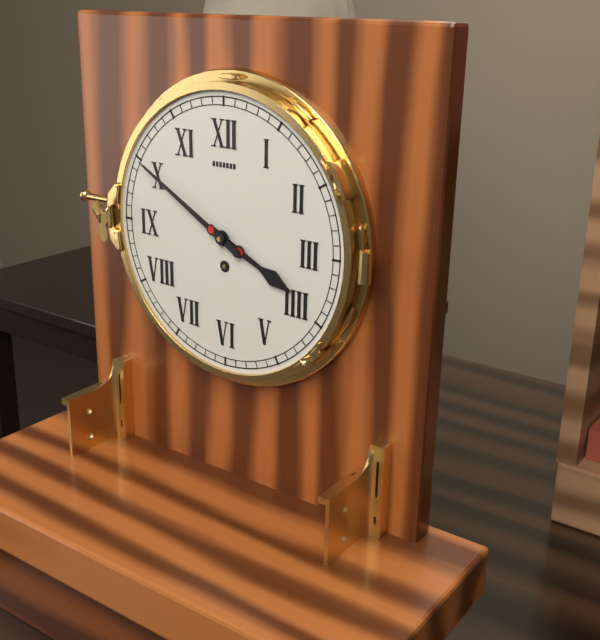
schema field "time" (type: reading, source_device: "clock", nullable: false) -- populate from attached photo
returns 3:50
